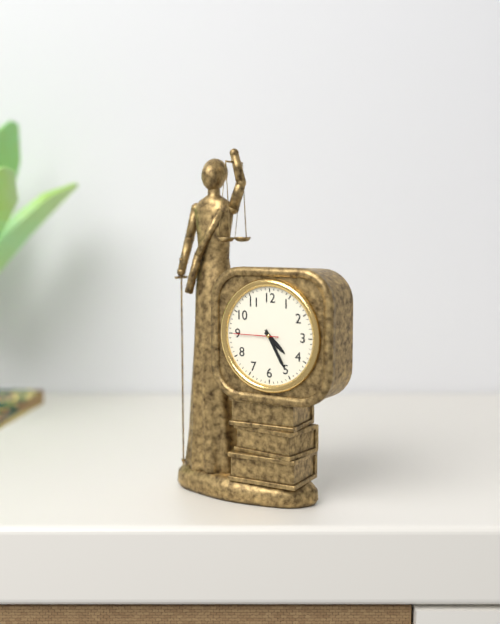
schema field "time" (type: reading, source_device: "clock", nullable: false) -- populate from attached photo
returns 4:25
